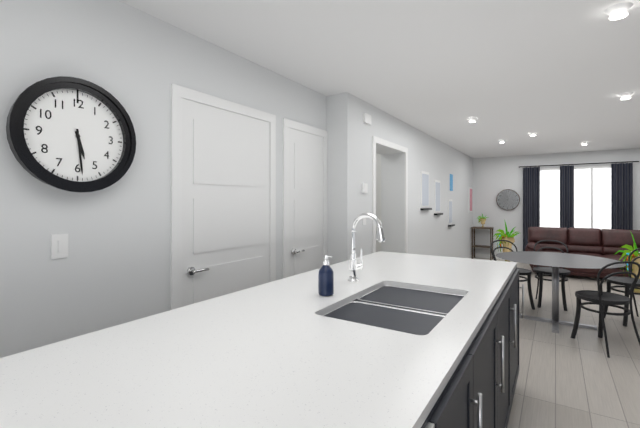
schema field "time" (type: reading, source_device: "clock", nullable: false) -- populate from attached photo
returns 5:29
